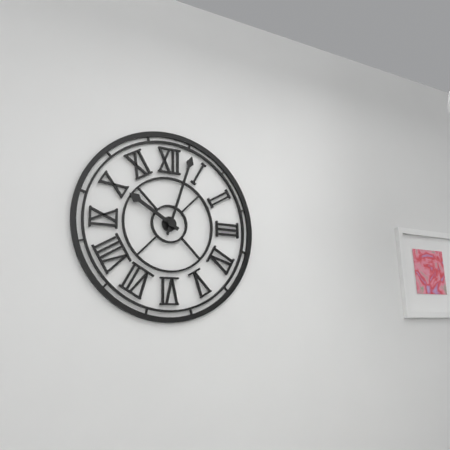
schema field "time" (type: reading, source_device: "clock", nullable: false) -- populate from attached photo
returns 10:03
